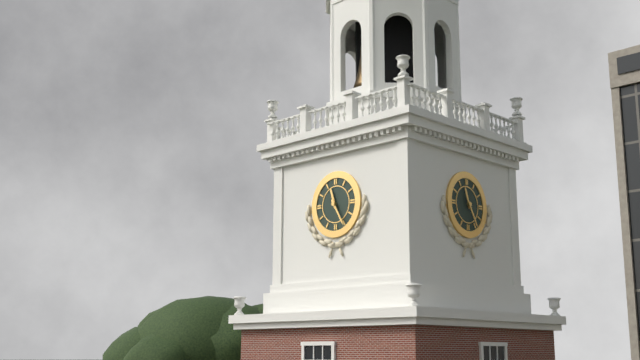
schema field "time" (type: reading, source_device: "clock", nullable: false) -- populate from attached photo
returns 11:25
